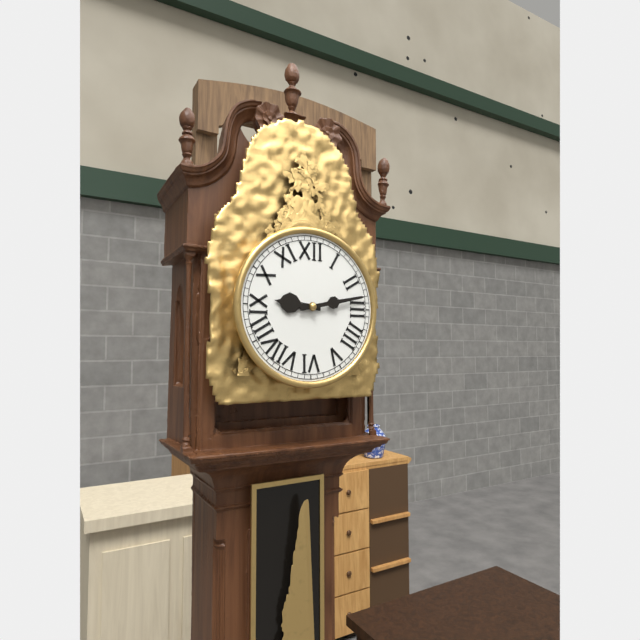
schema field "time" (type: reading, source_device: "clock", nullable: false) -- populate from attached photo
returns 9:13
